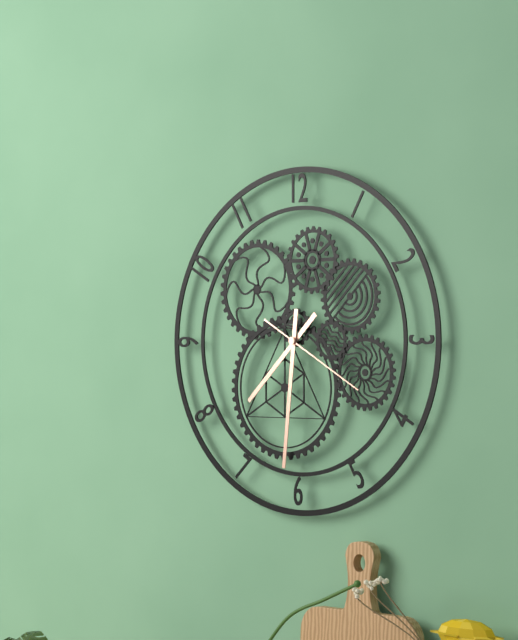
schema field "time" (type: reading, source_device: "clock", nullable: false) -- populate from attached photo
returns 7:31:20
